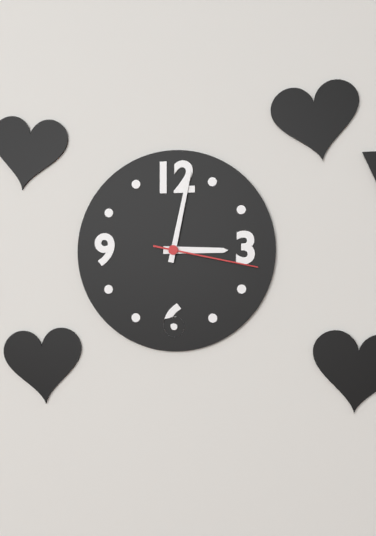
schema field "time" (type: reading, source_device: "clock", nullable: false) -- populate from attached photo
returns 3:02:17
